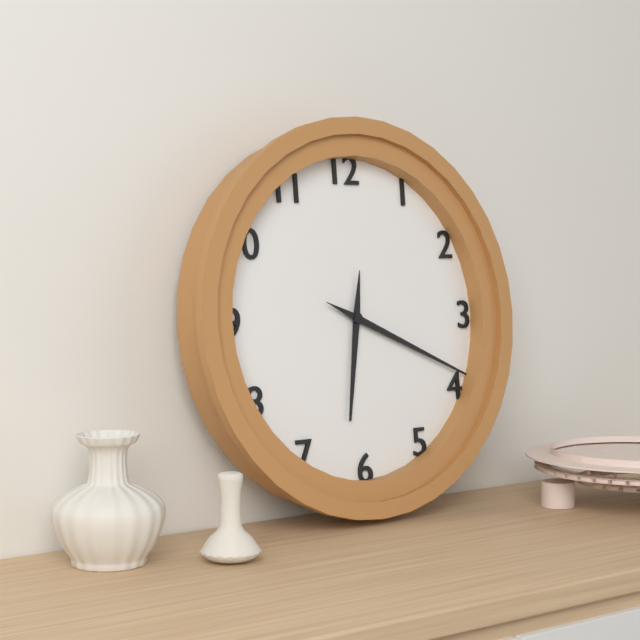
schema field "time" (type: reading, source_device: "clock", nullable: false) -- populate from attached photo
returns 6:19
